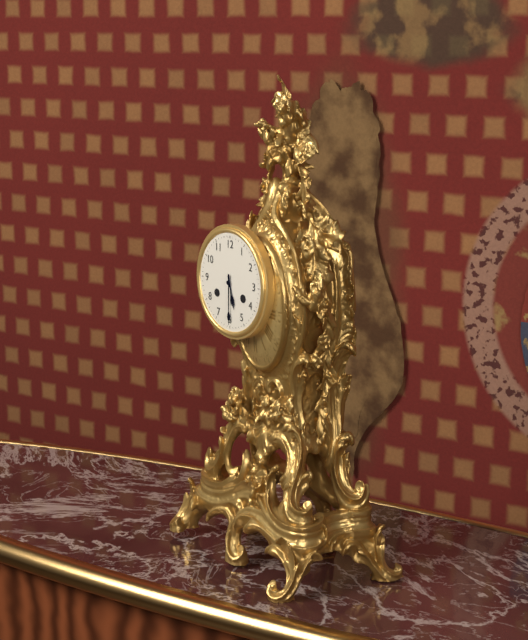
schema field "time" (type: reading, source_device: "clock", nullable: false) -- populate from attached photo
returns 5:30
